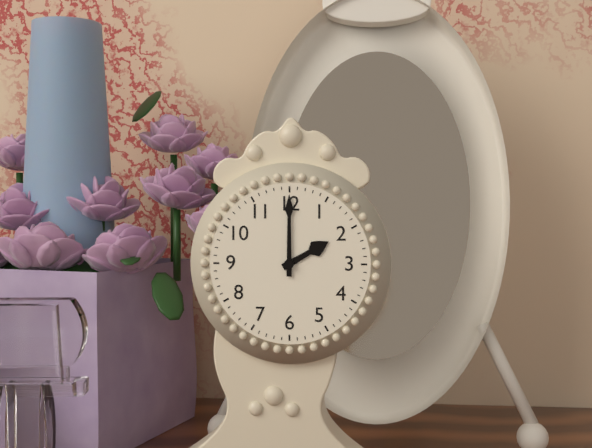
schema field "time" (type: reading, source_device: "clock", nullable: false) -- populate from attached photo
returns 2:00
